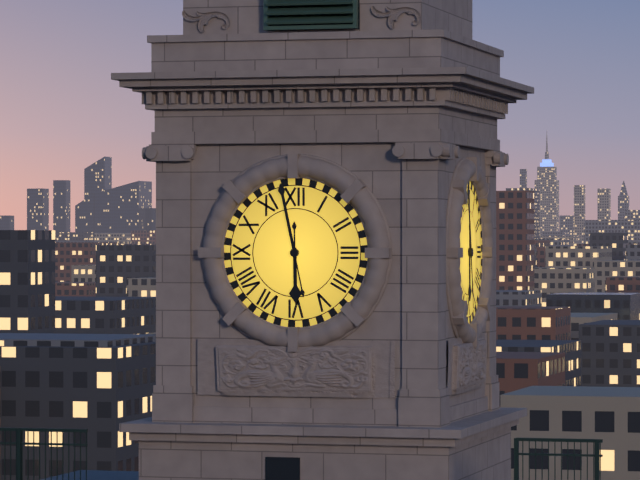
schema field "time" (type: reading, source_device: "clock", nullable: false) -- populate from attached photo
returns 5:58
